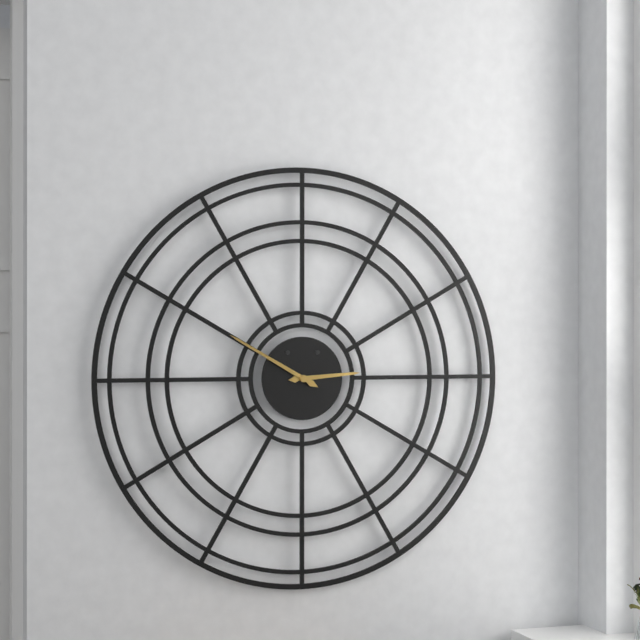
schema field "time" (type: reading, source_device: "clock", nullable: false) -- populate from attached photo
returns 2:50
